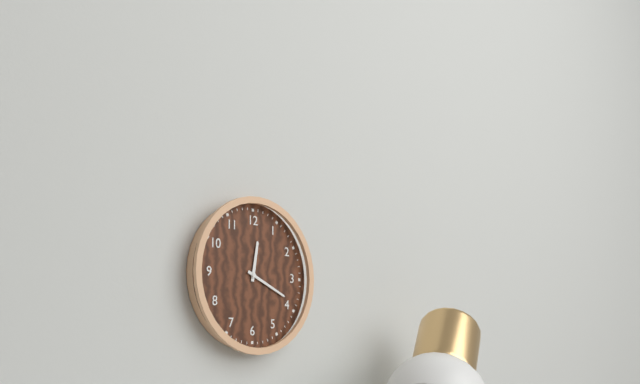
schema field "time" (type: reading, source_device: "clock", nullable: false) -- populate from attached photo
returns 12:19
